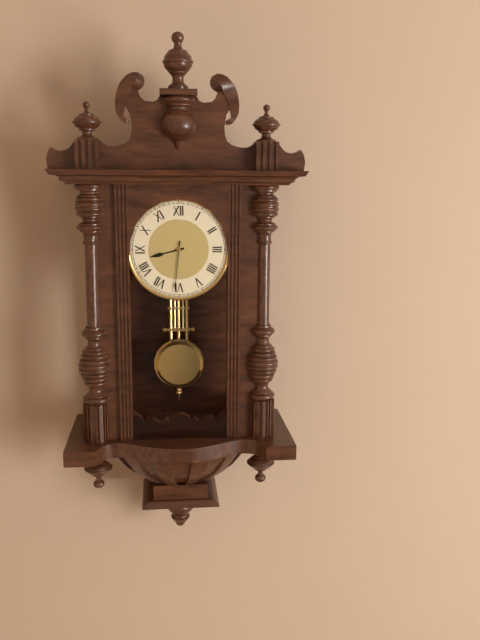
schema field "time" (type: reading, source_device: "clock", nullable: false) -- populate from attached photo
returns 8:31
